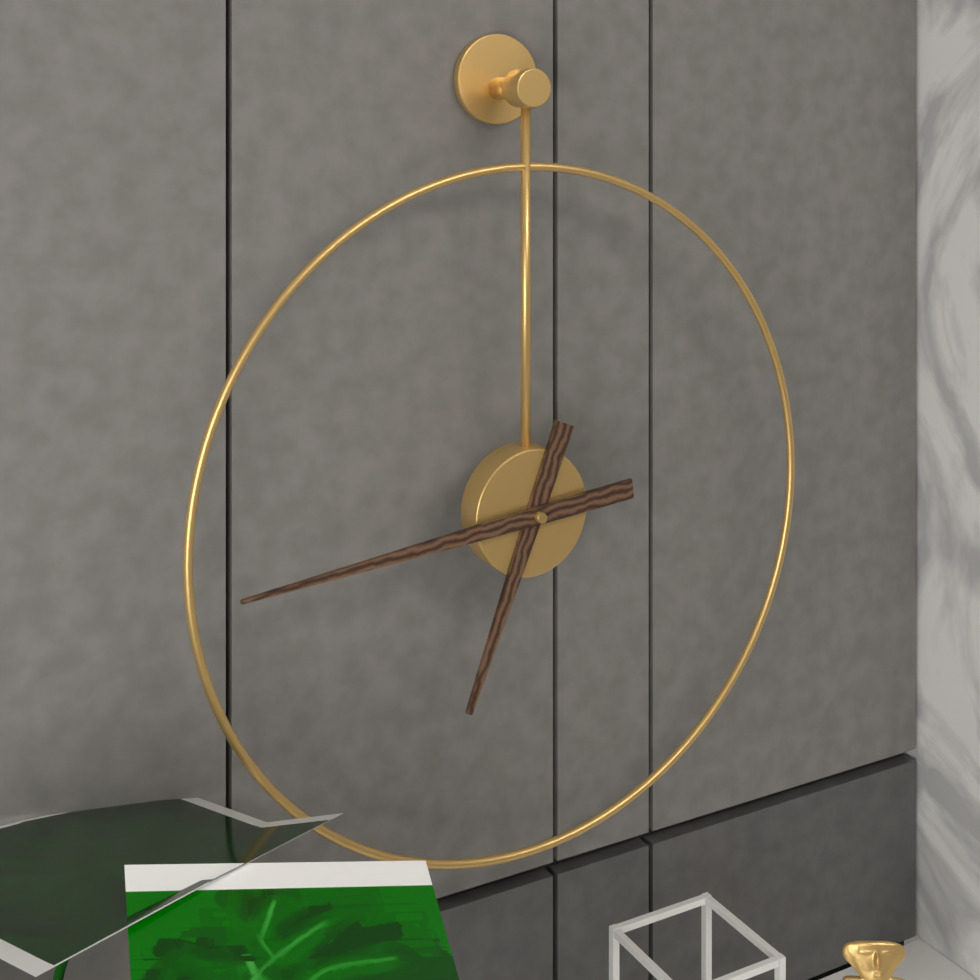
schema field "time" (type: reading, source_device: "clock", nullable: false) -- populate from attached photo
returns 6:44
